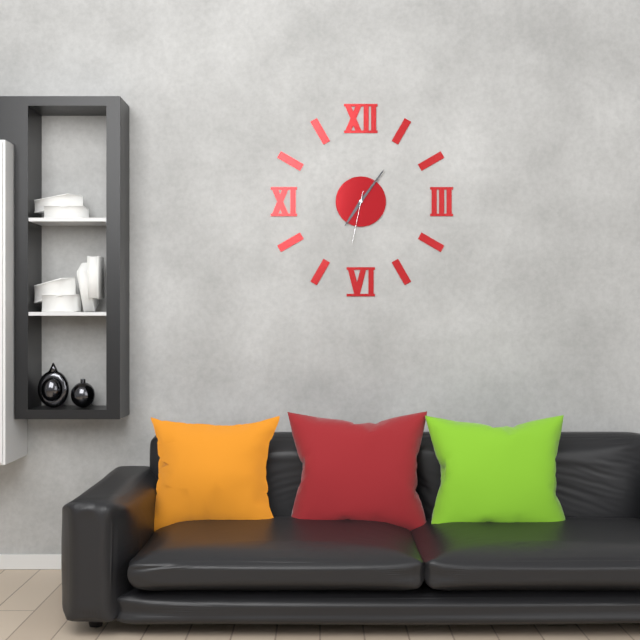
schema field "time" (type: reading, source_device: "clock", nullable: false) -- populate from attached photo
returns 7:06:32
